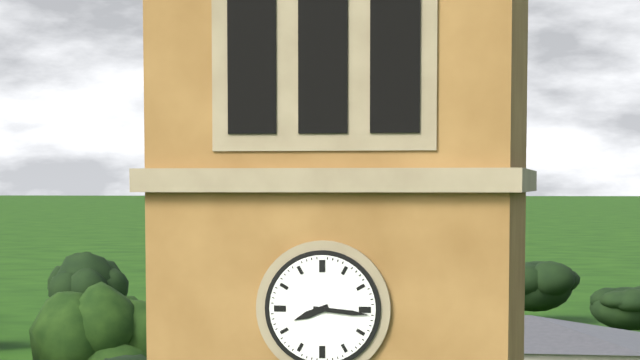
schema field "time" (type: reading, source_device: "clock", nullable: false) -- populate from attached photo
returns 8:16
